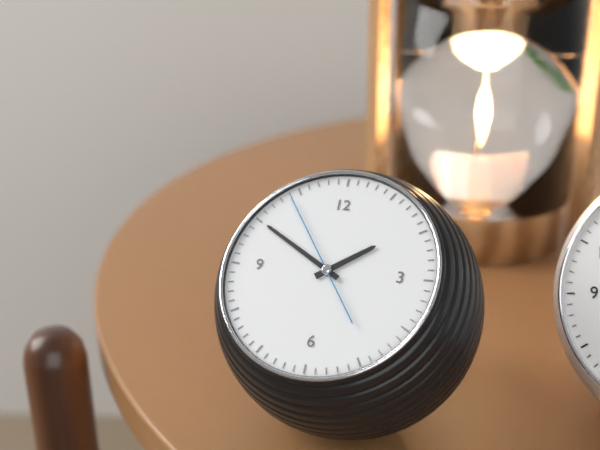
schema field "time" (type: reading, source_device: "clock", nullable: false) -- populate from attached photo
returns 1:50:54
